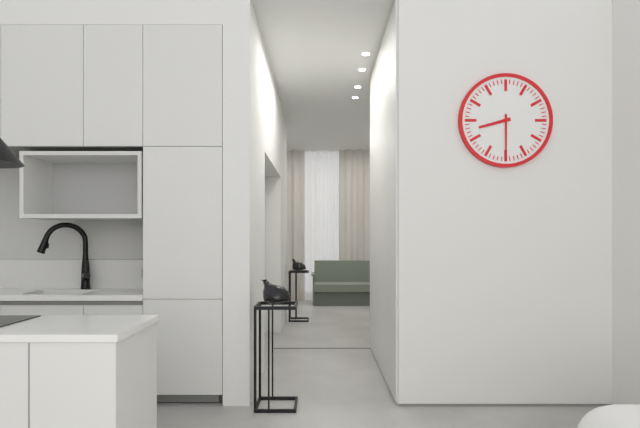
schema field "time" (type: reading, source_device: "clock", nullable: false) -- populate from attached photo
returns 8:30
